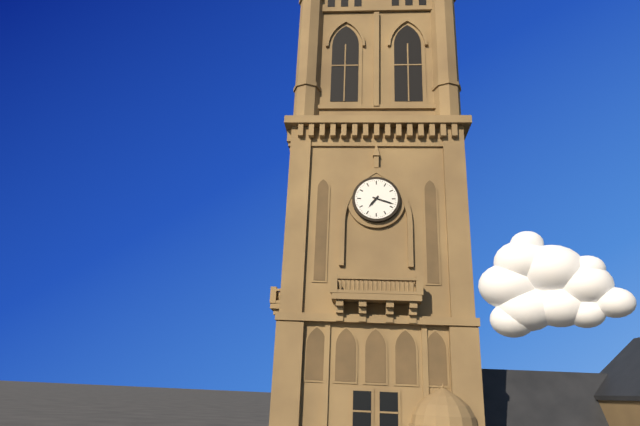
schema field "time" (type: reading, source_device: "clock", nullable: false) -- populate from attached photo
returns 7:18
